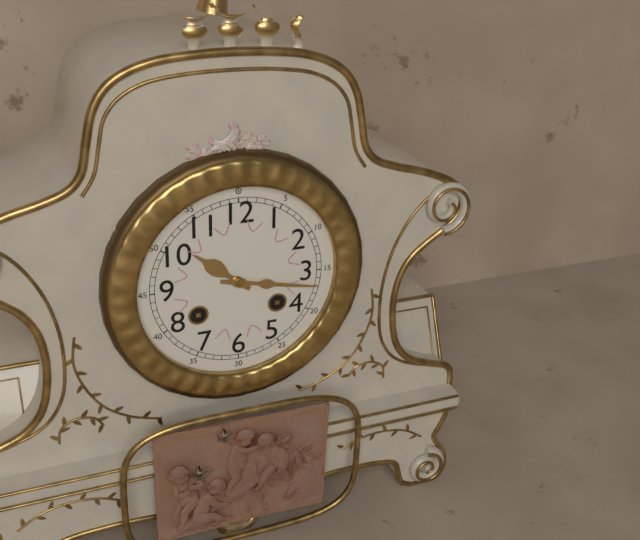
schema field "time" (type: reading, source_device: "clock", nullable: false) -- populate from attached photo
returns 10:17
